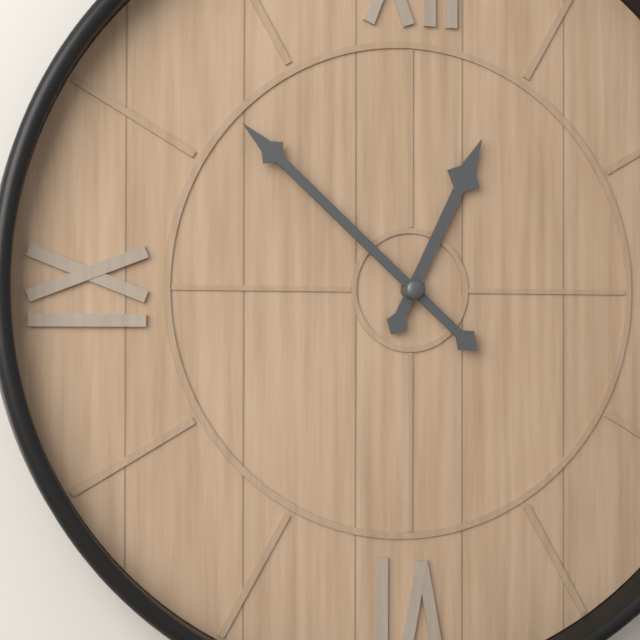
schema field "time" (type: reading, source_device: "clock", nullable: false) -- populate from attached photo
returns 12:52
